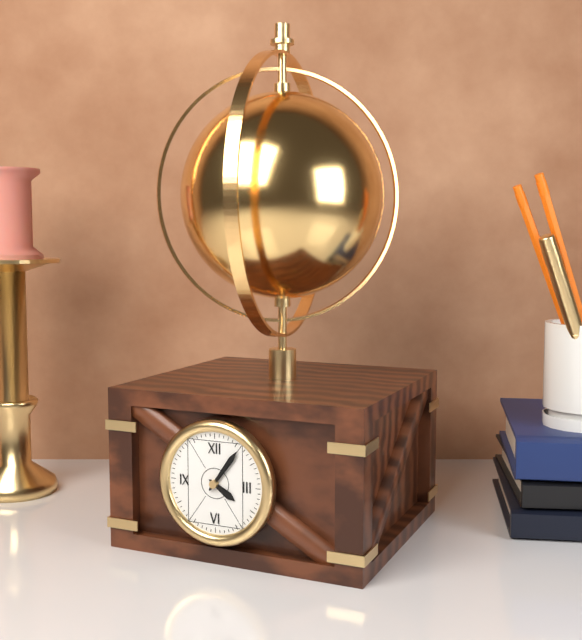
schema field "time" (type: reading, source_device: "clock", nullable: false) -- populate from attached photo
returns 4:06
